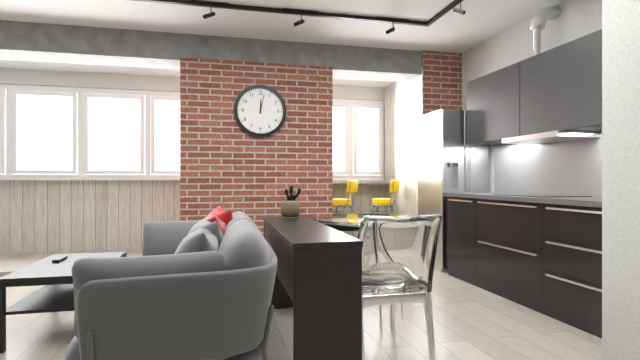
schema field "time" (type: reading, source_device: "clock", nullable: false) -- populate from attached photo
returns 12:02
